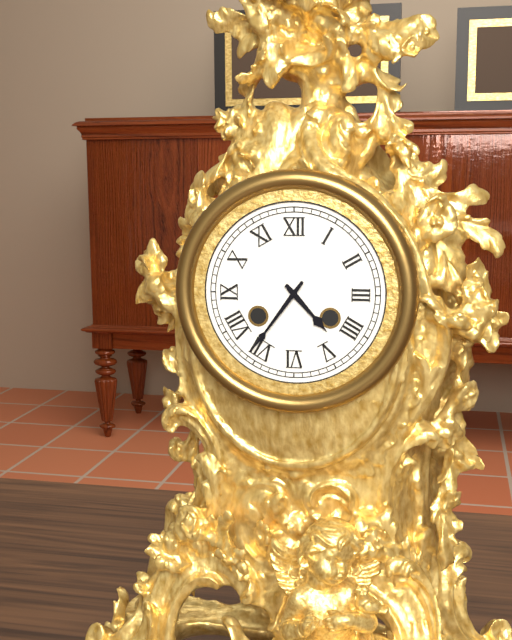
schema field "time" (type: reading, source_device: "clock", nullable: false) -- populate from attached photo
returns 4:36
